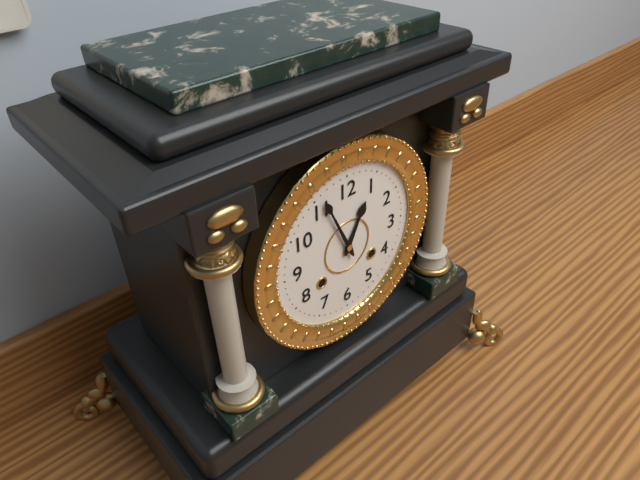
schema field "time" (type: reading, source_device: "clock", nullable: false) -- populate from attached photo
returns 12:56
